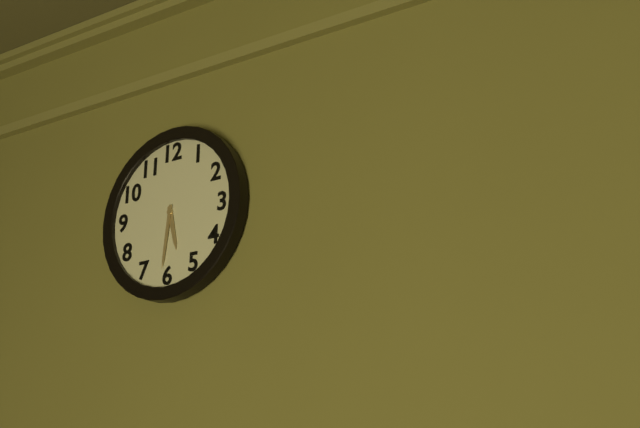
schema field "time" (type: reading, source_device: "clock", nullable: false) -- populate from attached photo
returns 5:31
